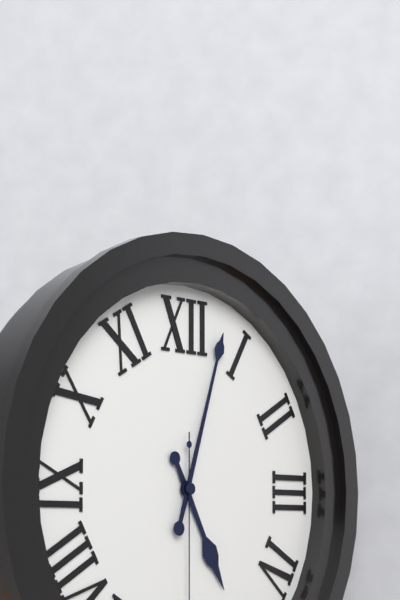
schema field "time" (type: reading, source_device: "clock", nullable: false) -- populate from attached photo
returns 5:03
